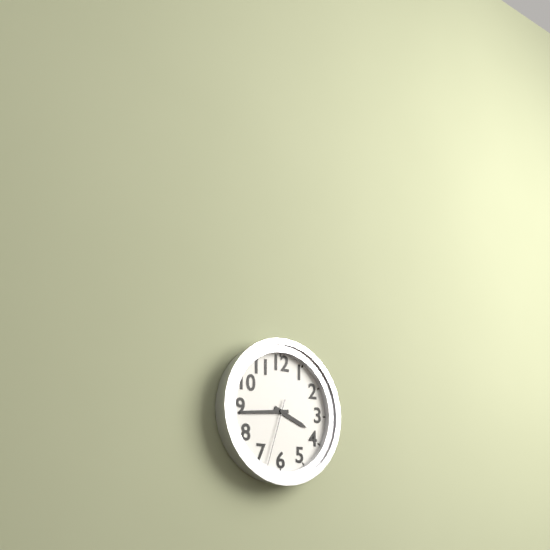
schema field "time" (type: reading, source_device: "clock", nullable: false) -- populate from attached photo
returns 3:44:33
